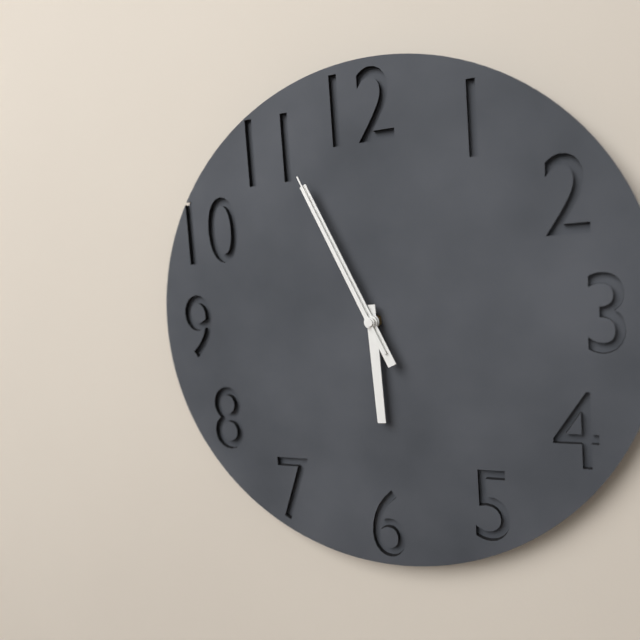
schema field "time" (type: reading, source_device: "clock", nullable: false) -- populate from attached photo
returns 5:56:56
